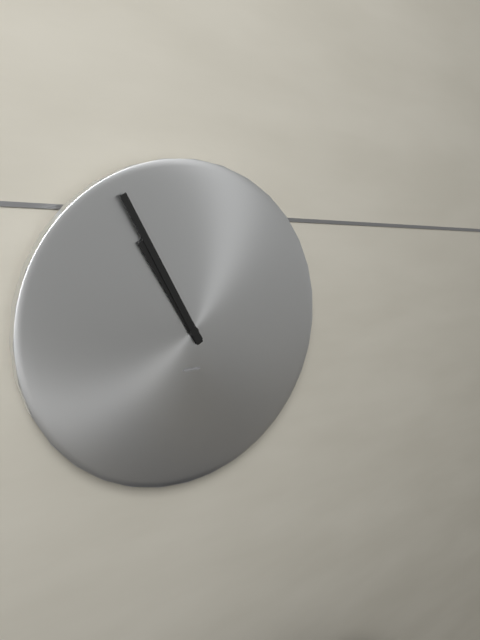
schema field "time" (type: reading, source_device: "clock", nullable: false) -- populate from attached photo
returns 10:55
